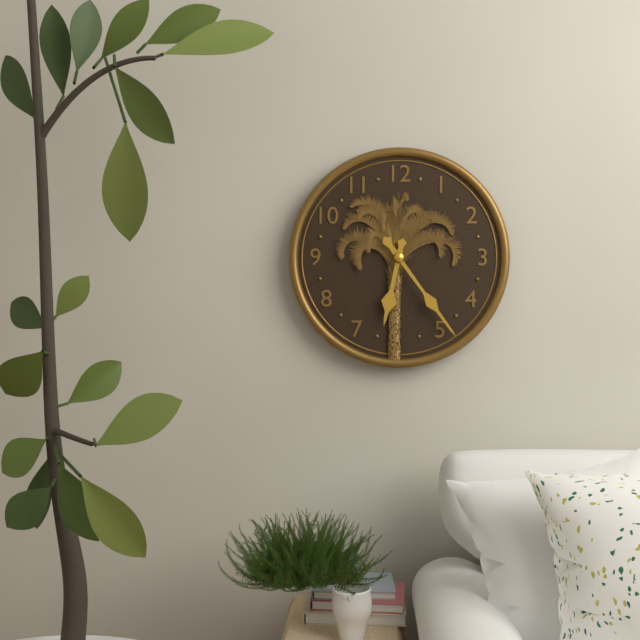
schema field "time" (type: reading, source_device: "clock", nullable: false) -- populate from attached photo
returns 6:24
